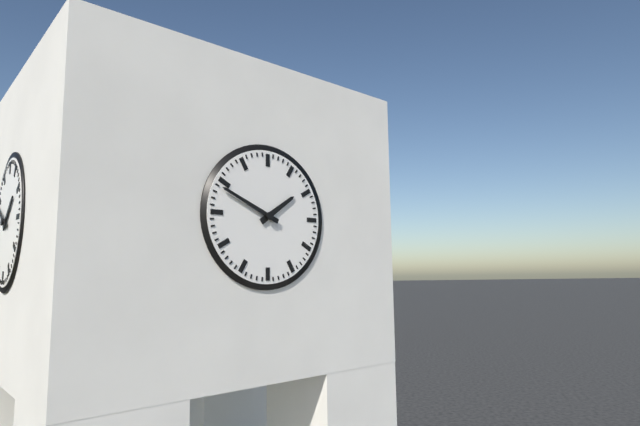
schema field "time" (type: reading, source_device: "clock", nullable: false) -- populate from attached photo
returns 1:49
